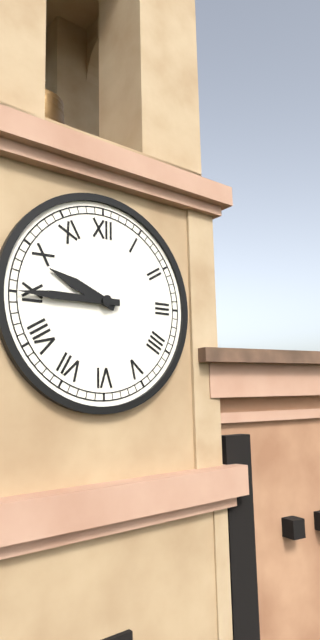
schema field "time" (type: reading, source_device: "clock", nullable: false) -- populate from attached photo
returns 9:45
